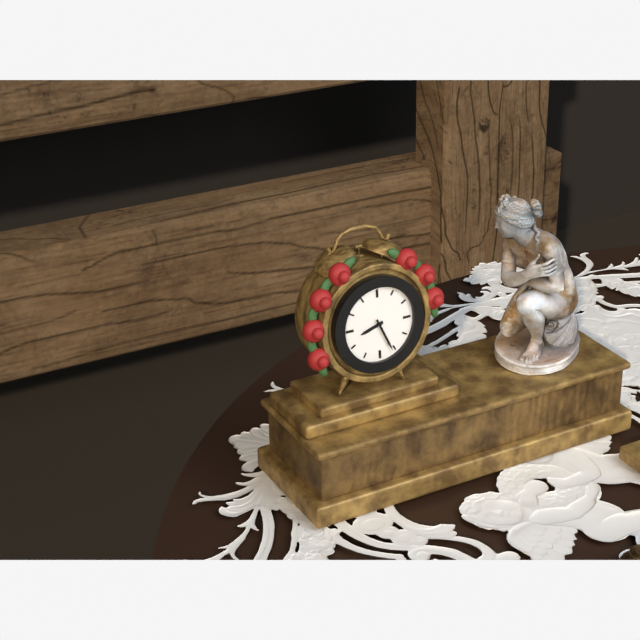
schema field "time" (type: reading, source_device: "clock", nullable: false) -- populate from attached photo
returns 8:26
